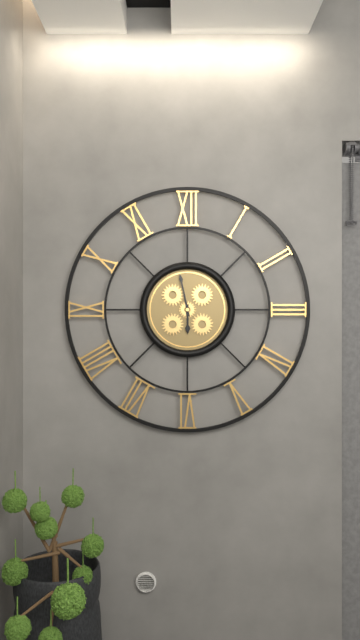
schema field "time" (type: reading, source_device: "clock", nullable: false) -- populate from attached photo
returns 5:58
